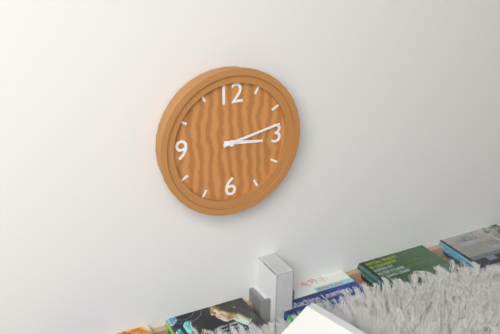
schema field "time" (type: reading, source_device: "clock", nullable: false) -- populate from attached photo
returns 3:13
